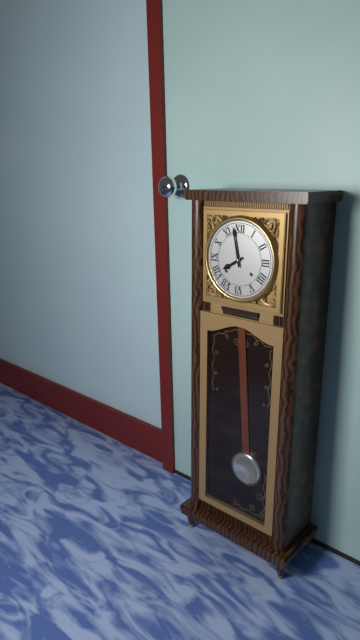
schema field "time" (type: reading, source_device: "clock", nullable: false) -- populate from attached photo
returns 7:58
